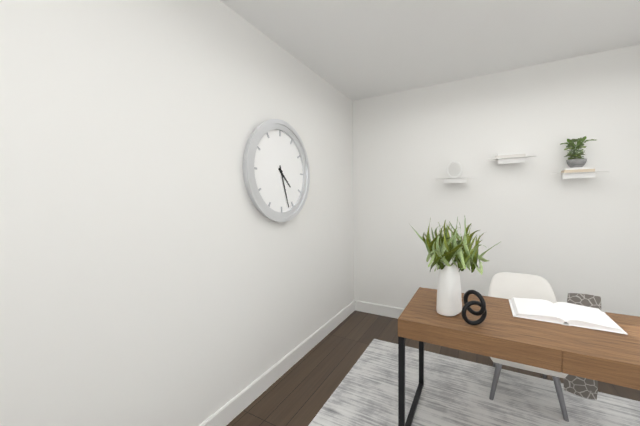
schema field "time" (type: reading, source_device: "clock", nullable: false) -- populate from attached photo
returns 4:27
